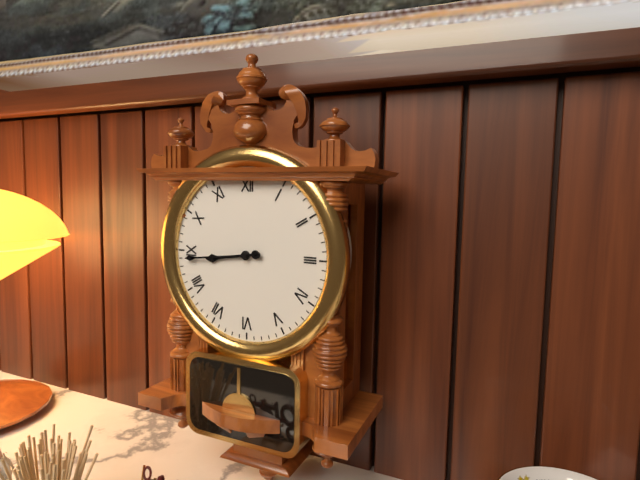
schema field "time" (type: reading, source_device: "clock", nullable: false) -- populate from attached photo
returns 8:44
